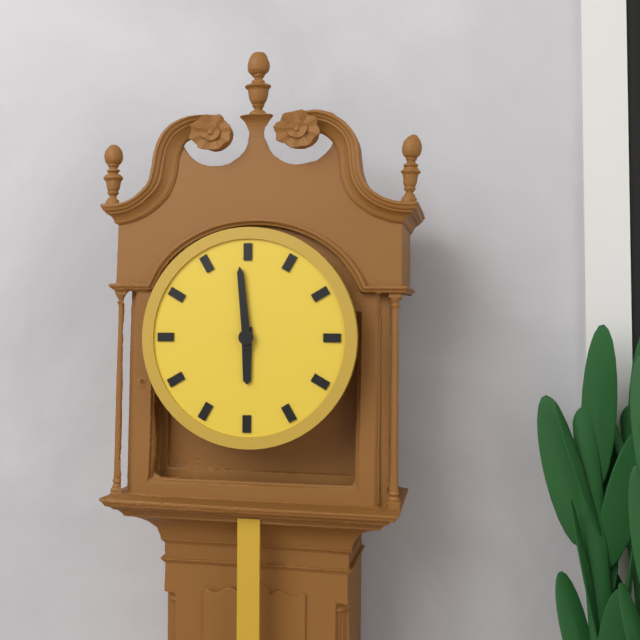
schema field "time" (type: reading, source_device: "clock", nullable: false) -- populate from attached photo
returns 5:59
